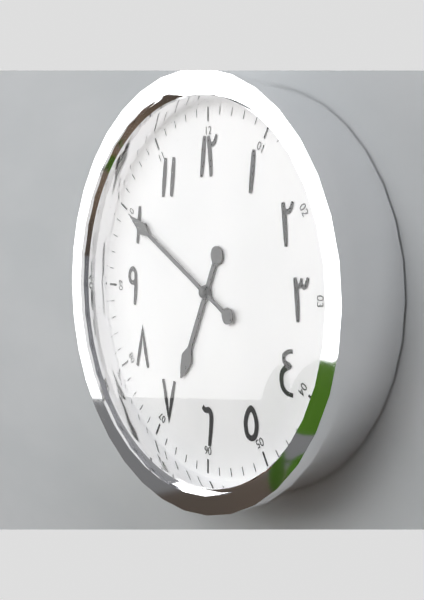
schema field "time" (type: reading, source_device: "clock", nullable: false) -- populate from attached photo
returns 6:50
